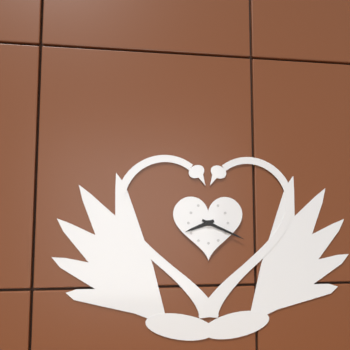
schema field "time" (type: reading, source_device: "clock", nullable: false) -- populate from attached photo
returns 8:19
